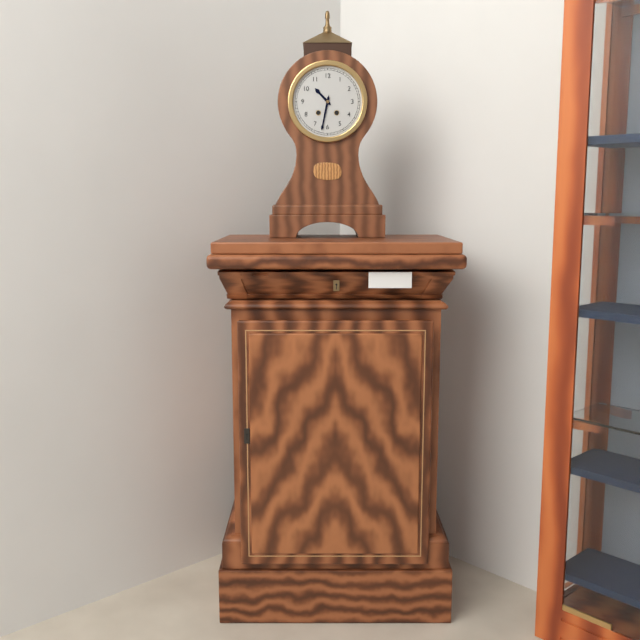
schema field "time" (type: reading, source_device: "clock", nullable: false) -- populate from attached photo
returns 10:32
